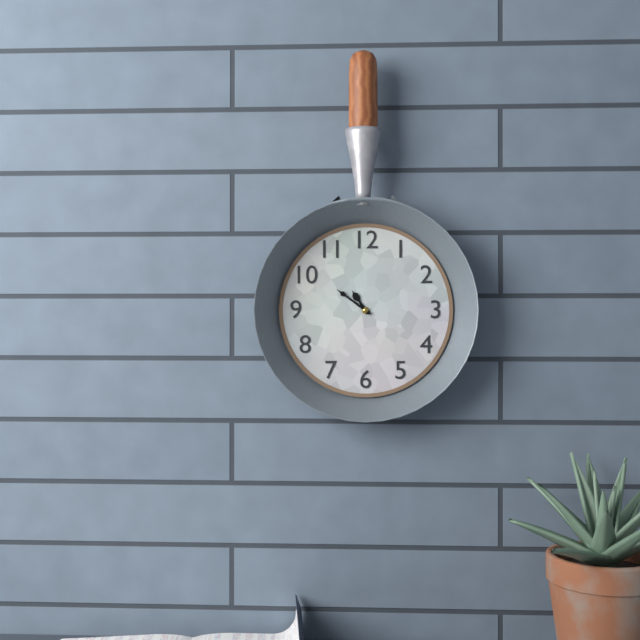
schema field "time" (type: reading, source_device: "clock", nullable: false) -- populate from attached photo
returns 10:51
